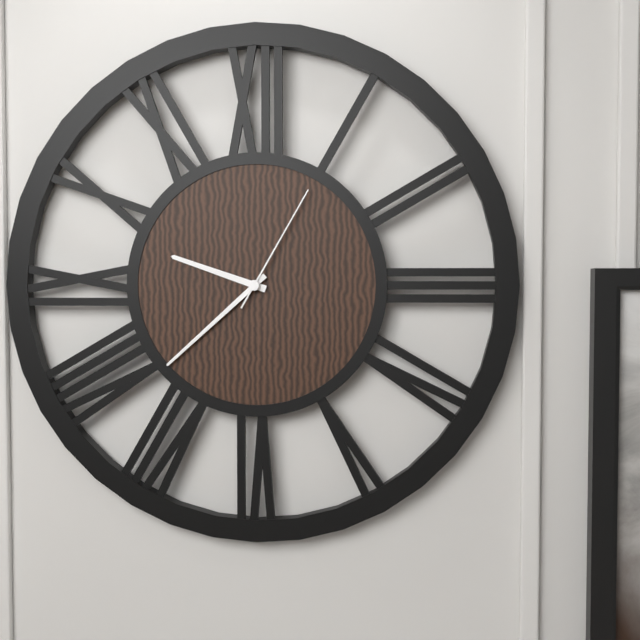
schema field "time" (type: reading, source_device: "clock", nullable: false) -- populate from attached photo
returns 9:38:05
